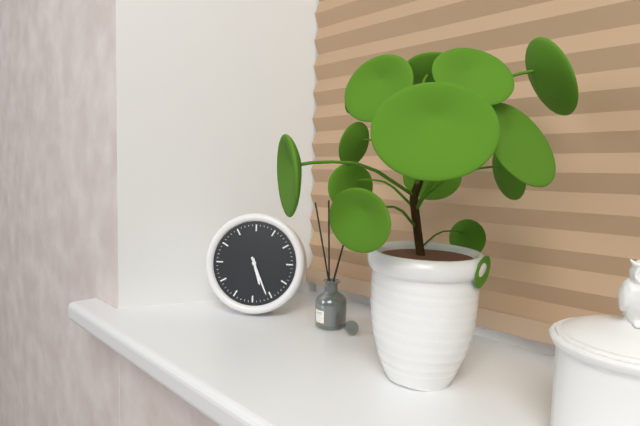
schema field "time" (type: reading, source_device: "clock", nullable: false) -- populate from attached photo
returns 5:26
